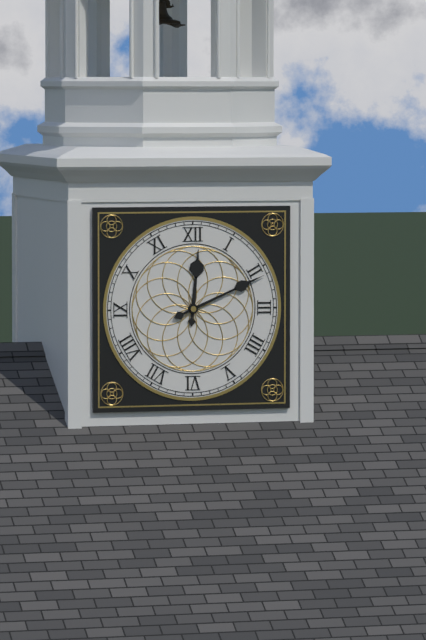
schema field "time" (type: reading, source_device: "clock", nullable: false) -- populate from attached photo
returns 12:11
